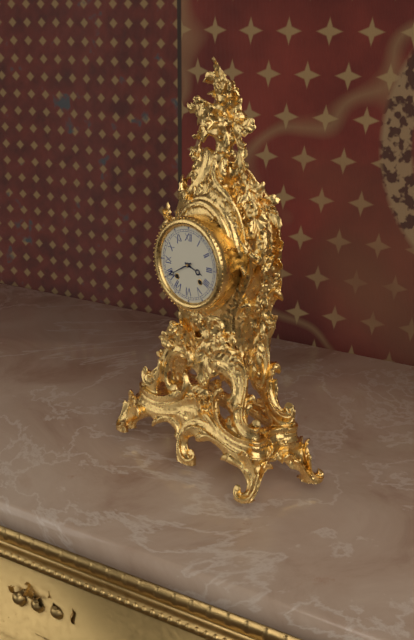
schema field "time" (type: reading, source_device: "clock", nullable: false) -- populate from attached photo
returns 3:40
